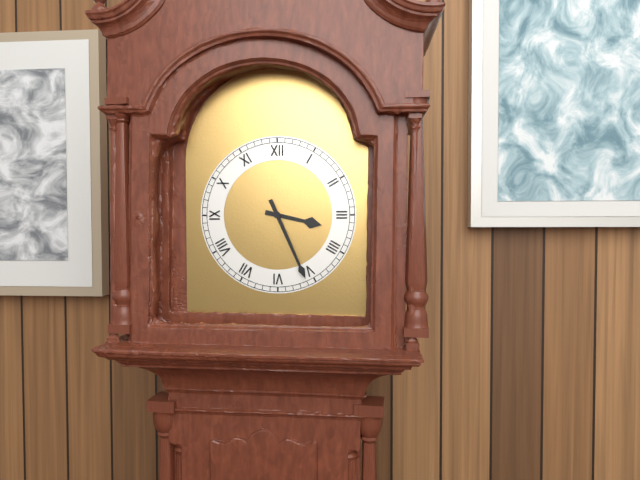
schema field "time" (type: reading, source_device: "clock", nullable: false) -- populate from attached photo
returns 3:26
